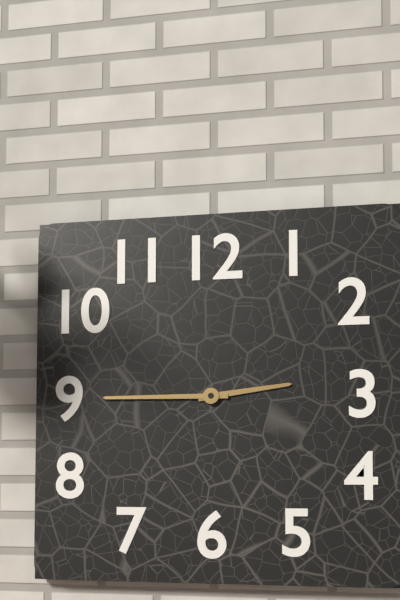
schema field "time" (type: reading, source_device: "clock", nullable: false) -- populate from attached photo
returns 2:45
